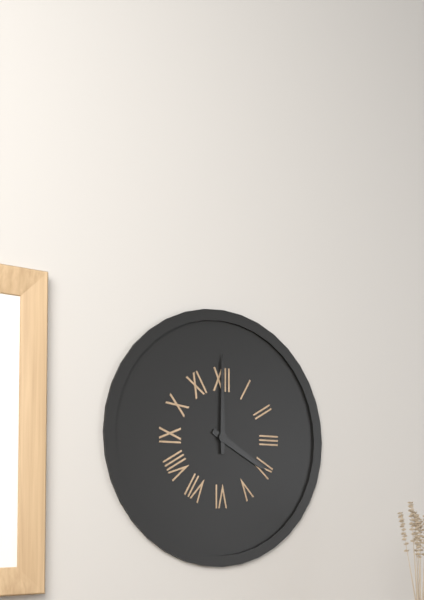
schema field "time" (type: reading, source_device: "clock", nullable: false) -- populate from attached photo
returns 4:00
